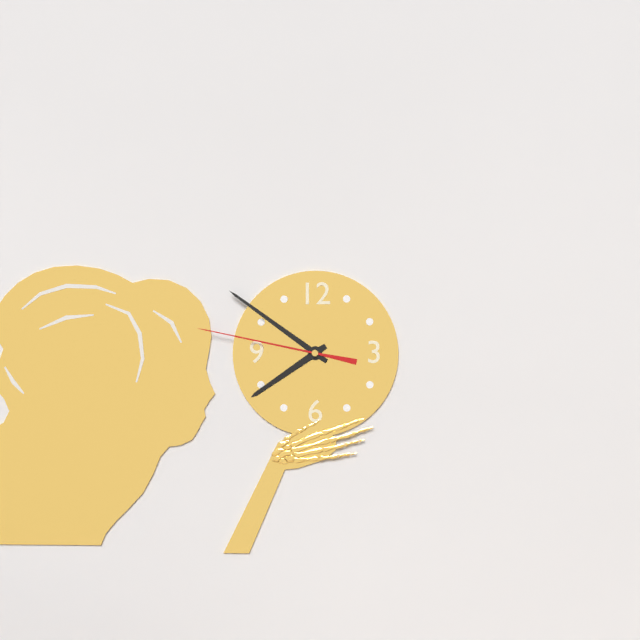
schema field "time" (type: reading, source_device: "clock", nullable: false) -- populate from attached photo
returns 7:51:47
